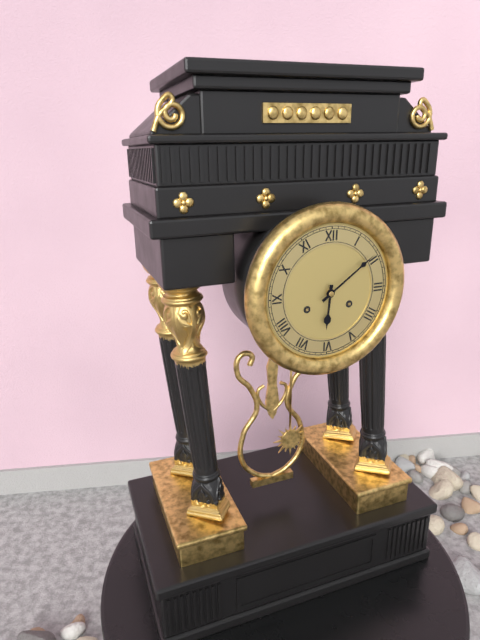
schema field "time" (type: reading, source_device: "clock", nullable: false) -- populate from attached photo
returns 6:09
